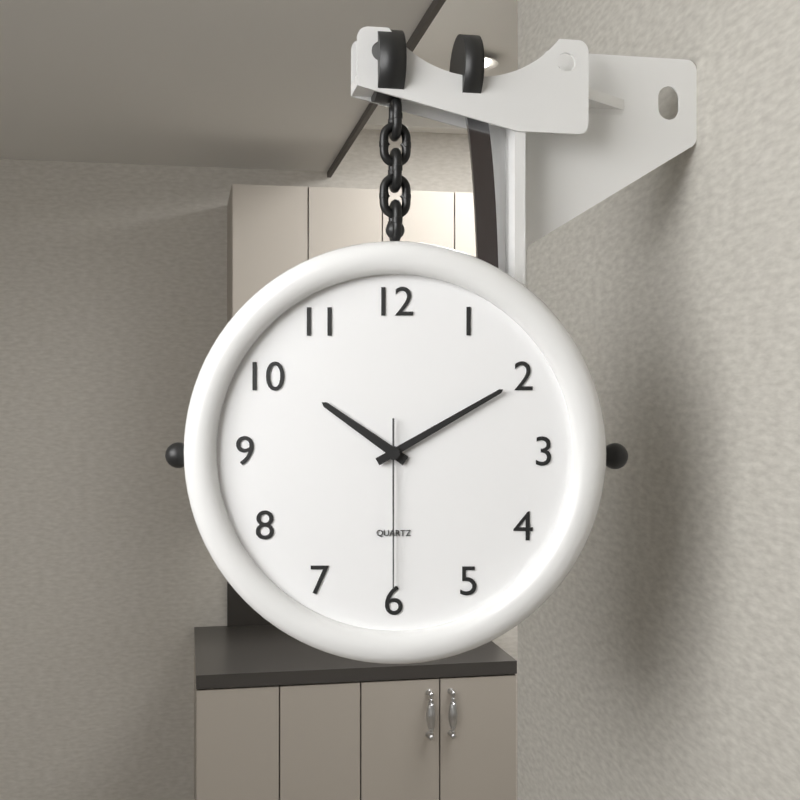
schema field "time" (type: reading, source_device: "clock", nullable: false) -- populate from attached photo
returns 10:10:30
